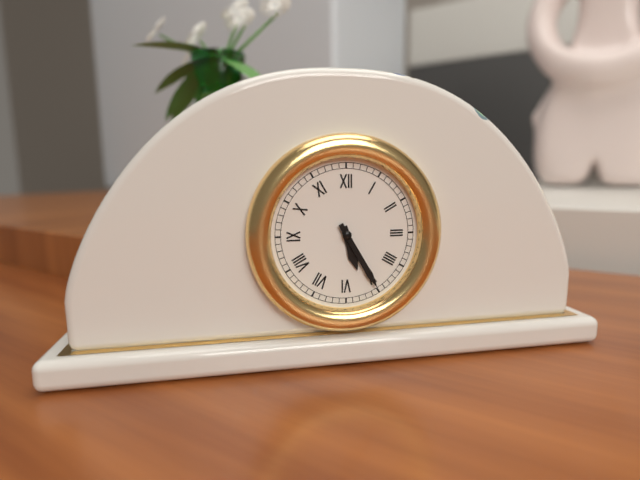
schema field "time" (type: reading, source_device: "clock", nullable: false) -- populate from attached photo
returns 5:25
